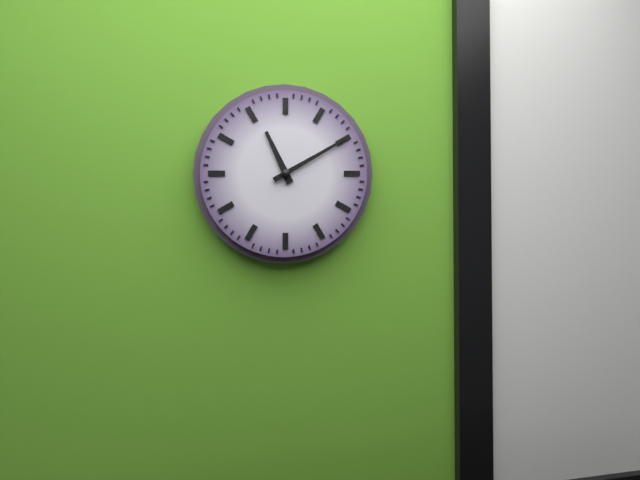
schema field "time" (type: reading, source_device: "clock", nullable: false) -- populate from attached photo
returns 11:10
